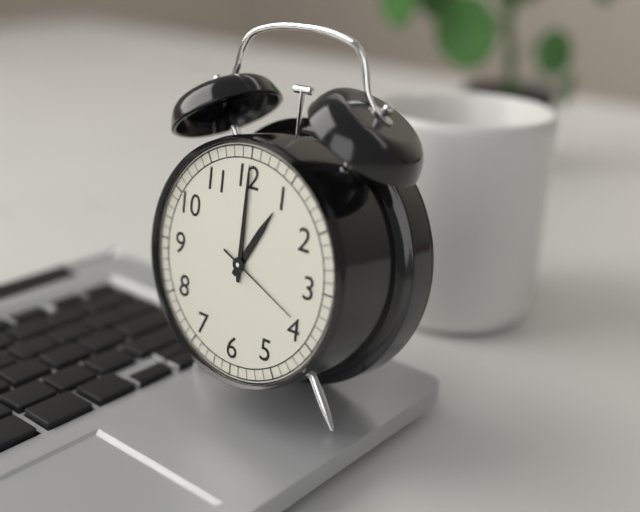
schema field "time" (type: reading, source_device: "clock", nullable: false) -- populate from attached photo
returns 1:00:19
